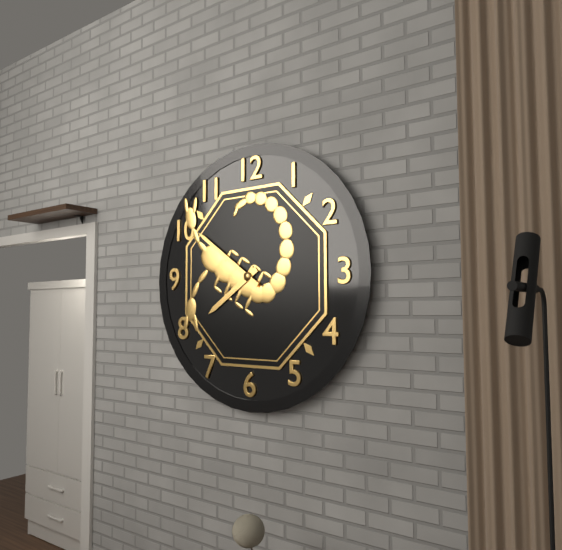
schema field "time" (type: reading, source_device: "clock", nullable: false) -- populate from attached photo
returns 7:51
